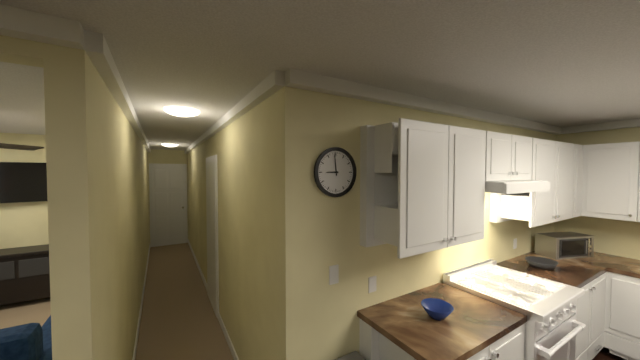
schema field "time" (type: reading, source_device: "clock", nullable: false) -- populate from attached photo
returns 8:59
